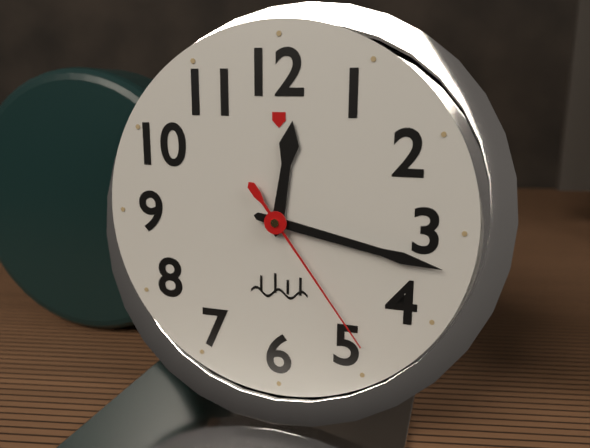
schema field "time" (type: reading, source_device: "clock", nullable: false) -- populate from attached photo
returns 12:17:24
